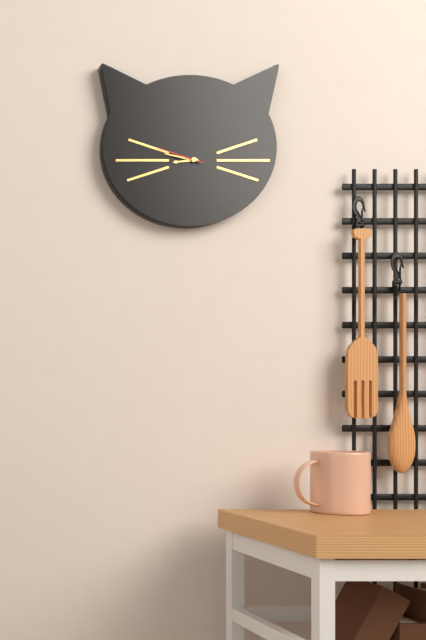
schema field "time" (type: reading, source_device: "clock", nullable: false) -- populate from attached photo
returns 8:47
